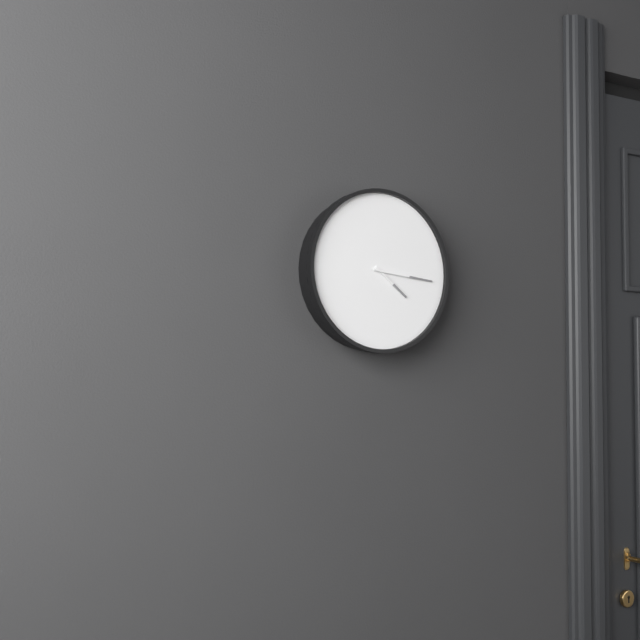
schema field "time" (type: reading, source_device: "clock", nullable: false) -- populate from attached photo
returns 4:16
